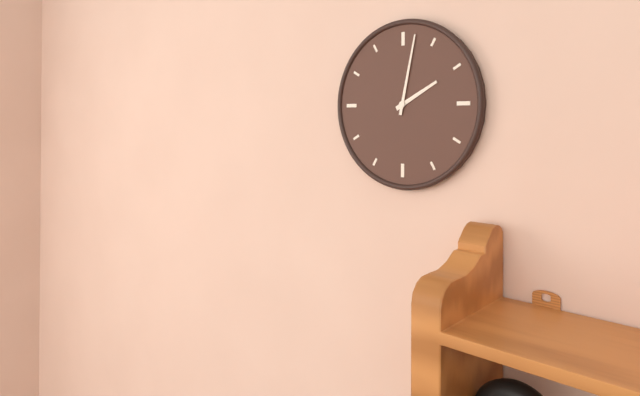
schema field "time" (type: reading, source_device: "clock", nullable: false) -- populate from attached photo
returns 2:02
